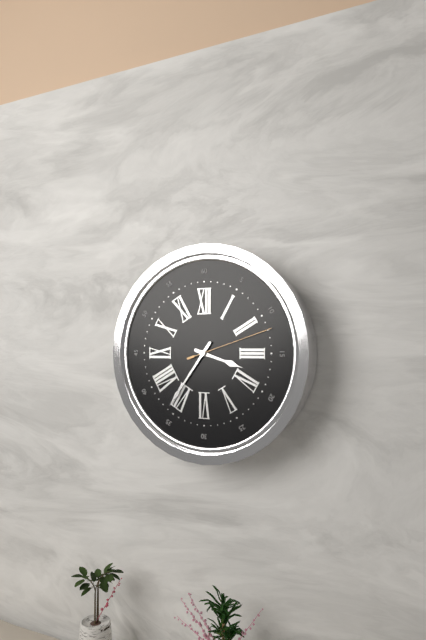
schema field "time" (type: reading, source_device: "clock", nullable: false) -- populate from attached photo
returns 3:36:12
